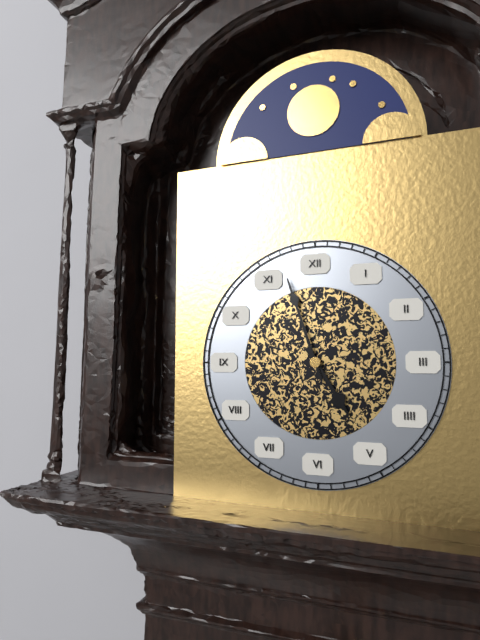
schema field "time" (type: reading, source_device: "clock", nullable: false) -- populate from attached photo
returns 4:57
